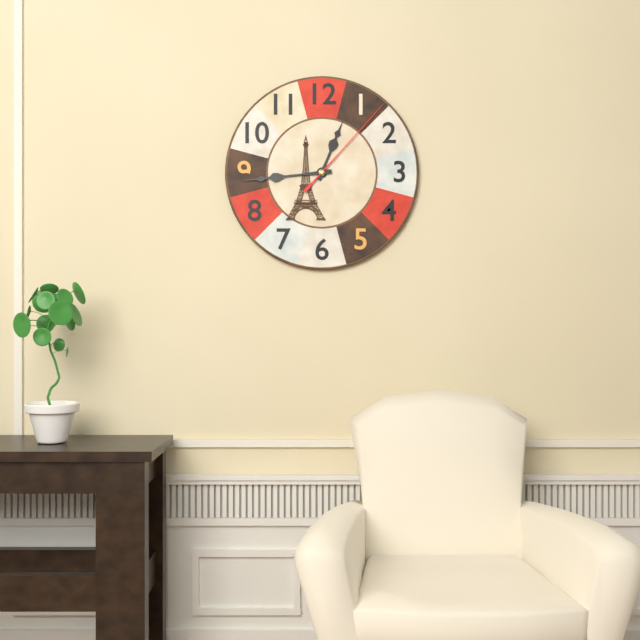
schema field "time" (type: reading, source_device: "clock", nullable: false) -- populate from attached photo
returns 12:44:07
